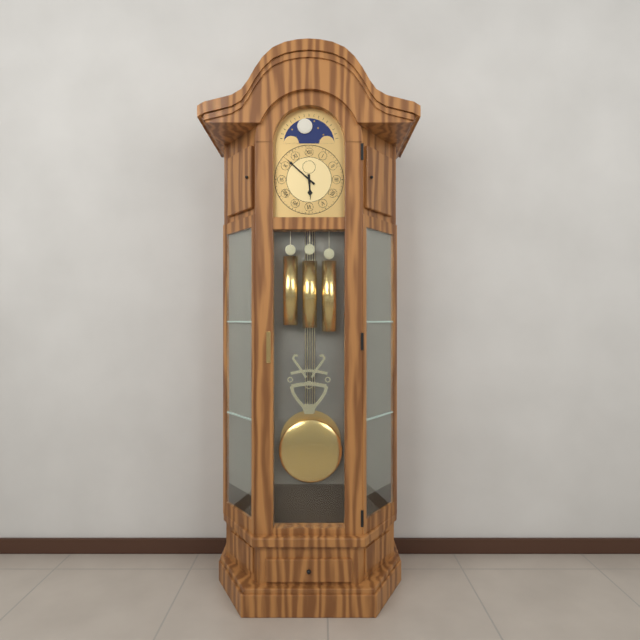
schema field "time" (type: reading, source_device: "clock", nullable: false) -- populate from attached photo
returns 5:52
